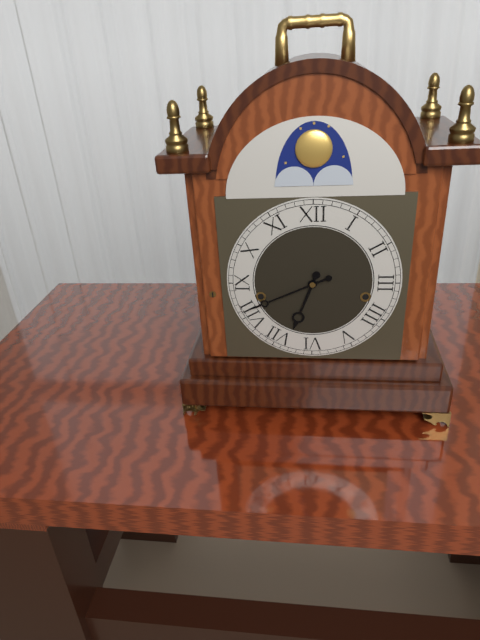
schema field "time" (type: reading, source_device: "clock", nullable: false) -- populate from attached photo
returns 6:41
